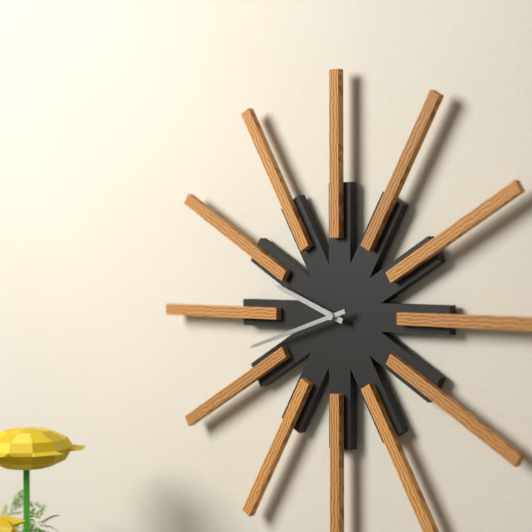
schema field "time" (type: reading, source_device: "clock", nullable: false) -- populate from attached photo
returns 9:42
